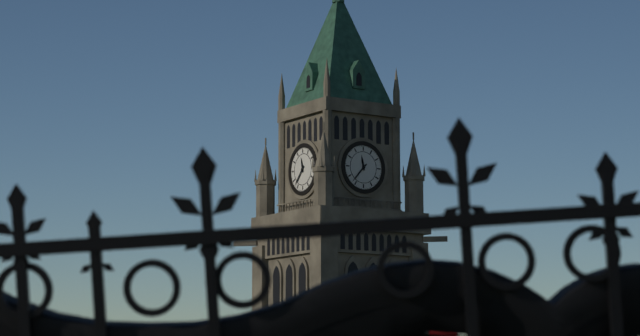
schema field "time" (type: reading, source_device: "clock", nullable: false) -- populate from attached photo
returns 11:37
